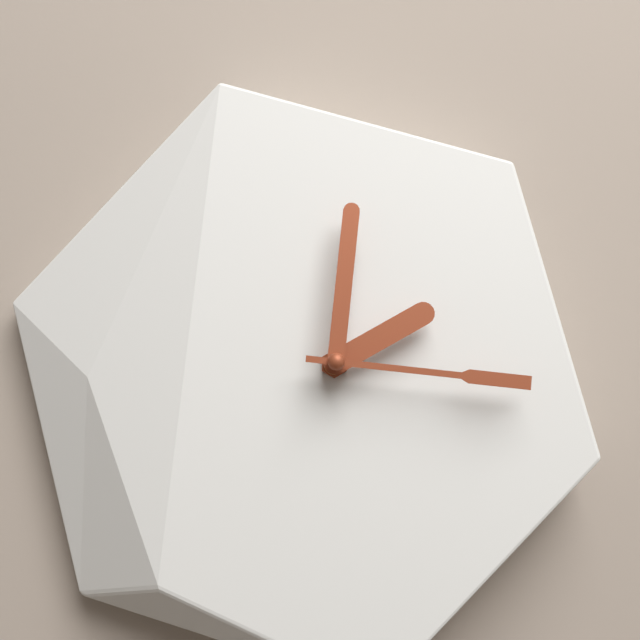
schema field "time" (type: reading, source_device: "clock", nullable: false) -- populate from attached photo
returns 2:01:16
